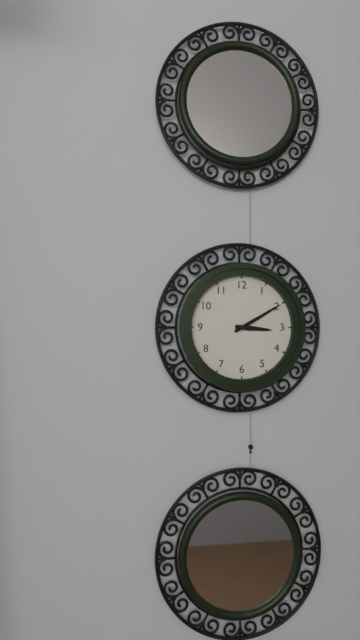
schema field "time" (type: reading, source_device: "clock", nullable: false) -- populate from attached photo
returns 3:10
